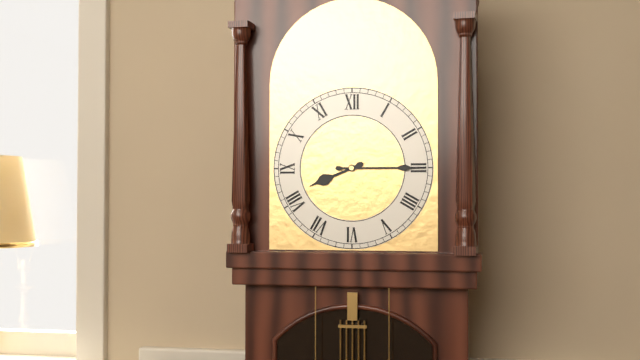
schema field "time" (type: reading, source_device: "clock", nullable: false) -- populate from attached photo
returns 8:15
